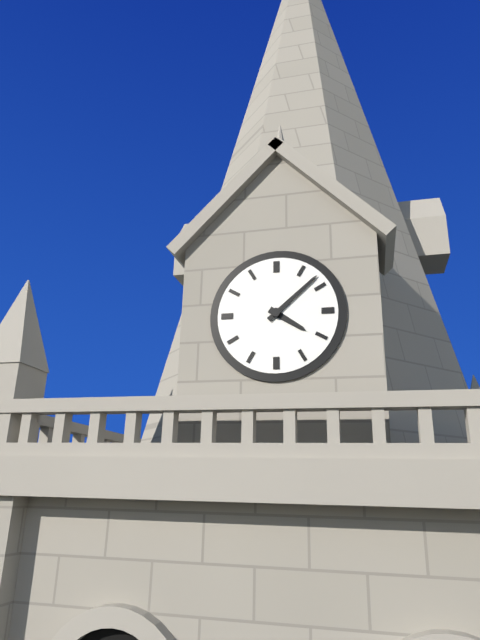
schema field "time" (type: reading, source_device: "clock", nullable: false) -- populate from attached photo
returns 4:08
